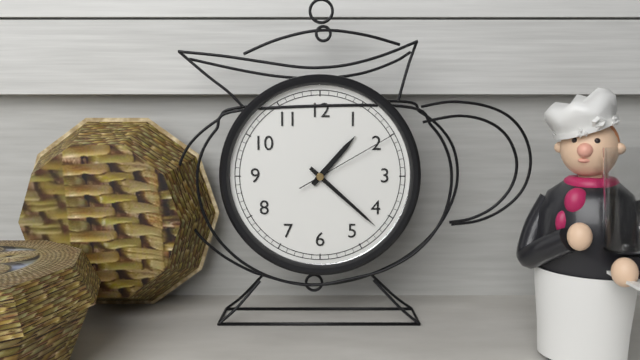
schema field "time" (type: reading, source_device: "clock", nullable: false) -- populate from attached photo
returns 1:22:10
